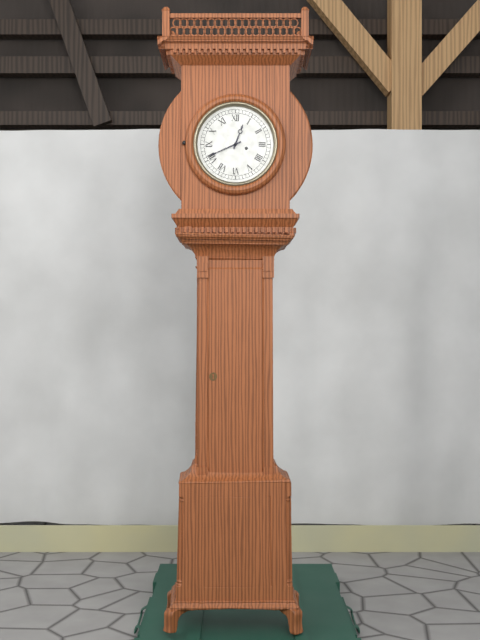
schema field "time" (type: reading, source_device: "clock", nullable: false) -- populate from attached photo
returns 12:41
